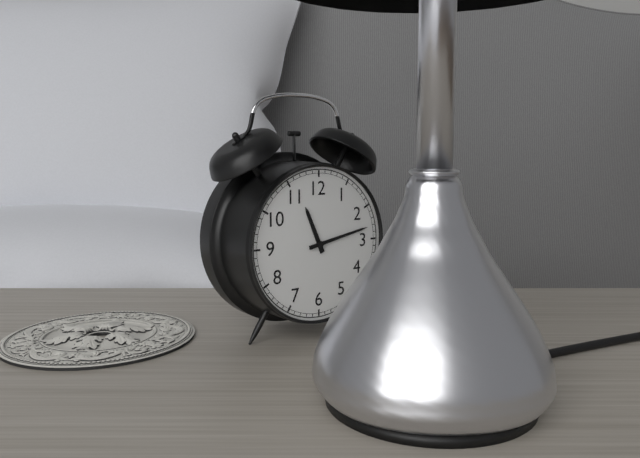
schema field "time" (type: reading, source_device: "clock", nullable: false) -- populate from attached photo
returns 11:13
